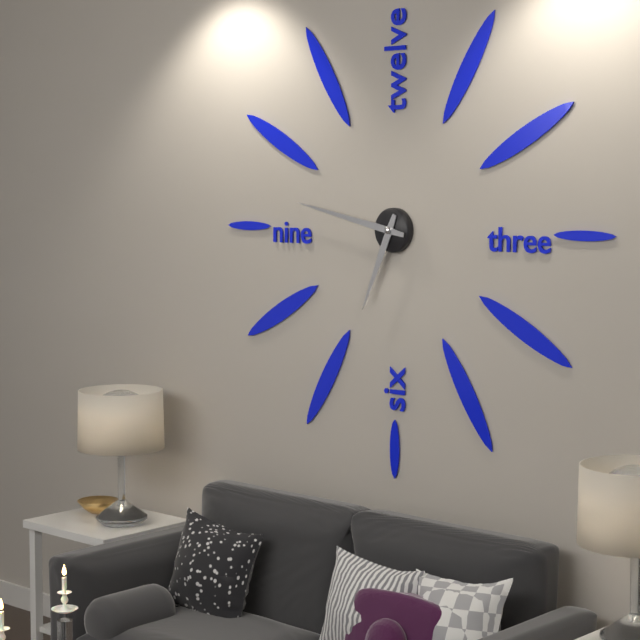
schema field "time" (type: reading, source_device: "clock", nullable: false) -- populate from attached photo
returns 6:47
